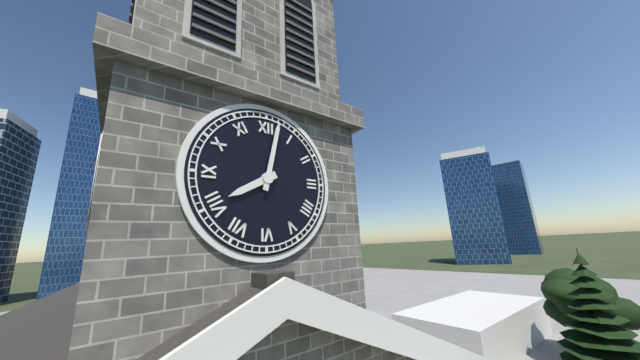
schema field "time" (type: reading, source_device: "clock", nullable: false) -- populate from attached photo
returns 8:02
